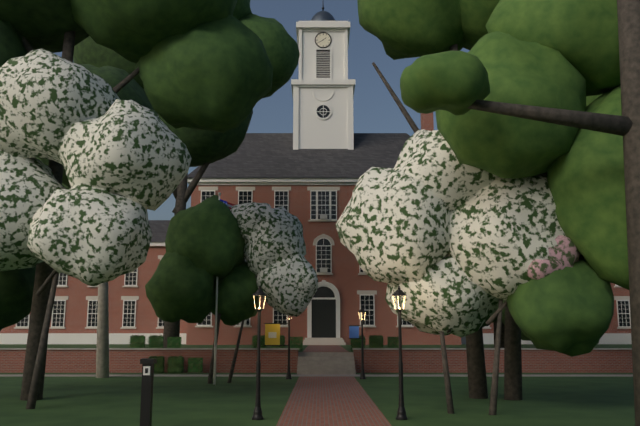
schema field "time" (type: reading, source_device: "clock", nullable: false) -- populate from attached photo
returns 1:40
